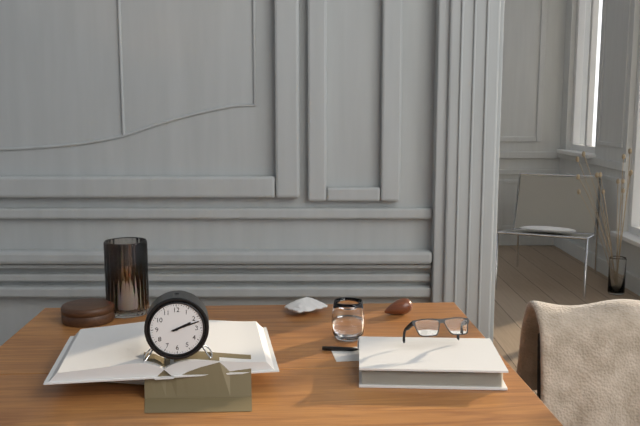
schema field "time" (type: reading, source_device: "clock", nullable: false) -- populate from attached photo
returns 2:12
